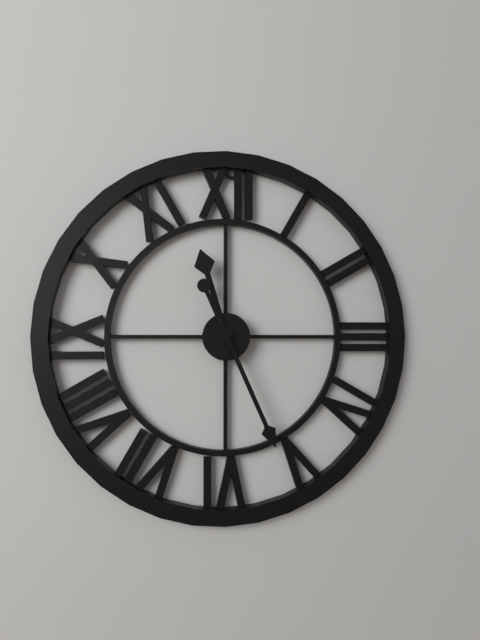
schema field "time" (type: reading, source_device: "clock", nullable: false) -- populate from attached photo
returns 11:26
